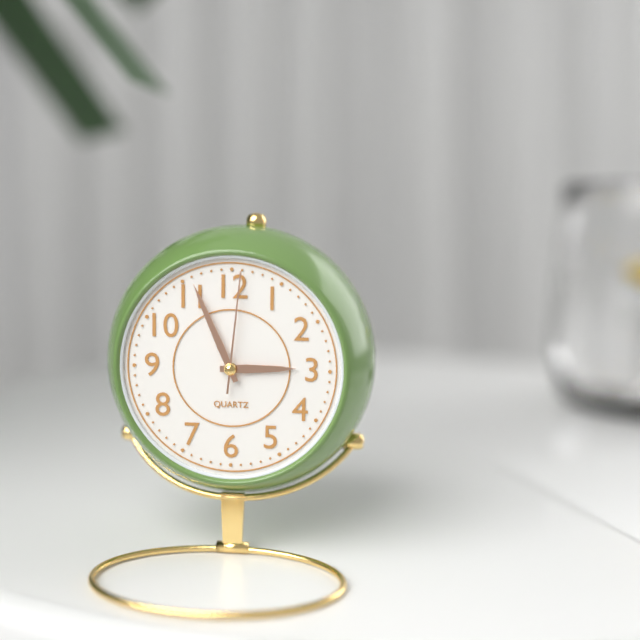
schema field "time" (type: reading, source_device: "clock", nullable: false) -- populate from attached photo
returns 2:56:01
